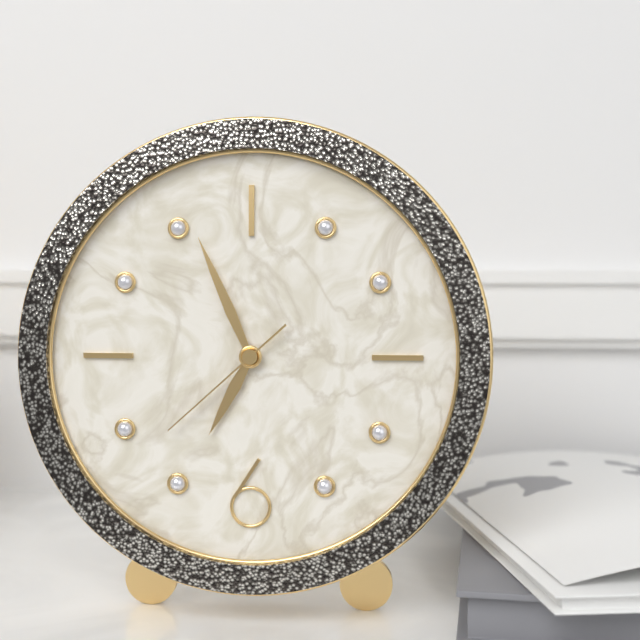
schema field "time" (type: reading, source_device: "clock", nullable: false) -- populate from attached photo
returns 6:56:38
